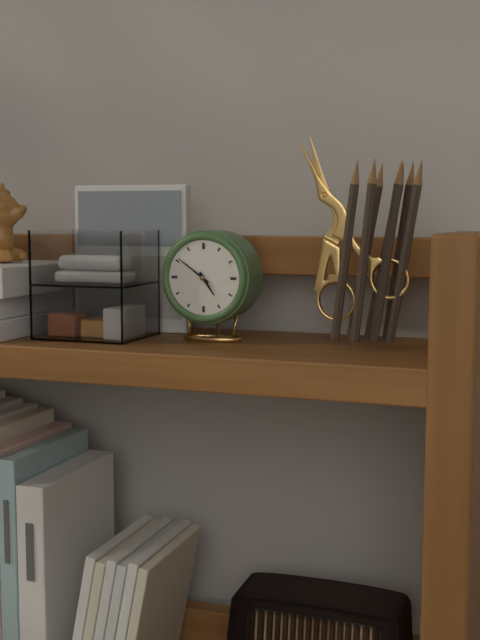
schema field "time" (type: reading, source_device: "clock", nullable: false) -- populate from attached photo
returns 4:51
